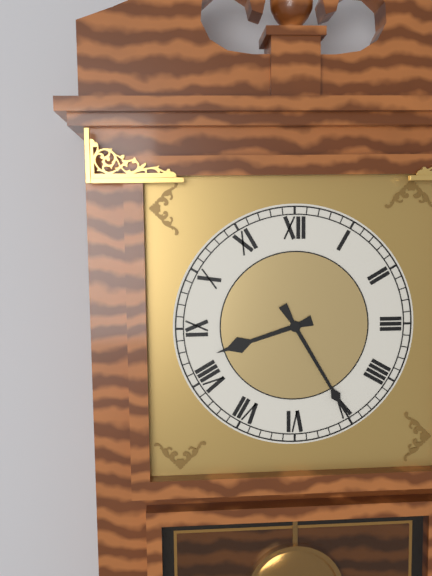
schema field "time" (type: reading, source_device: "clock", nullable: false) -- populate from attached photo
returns 8:25
